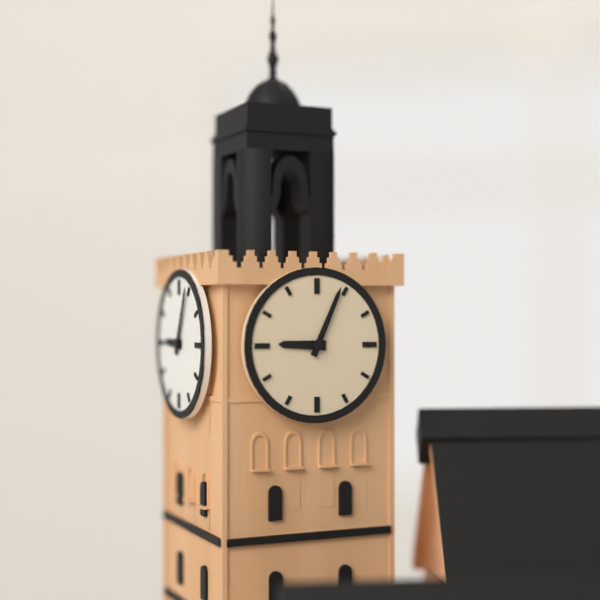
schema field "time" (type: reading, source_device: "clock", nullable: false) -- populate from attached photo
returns 9:04
